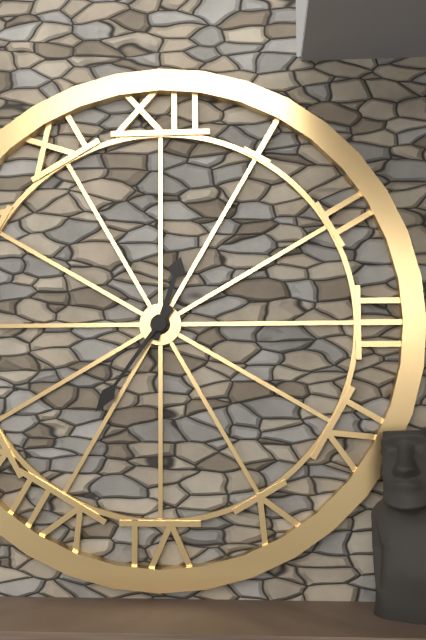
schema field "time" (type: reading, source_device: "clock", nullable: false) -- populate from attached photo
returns 12:36
